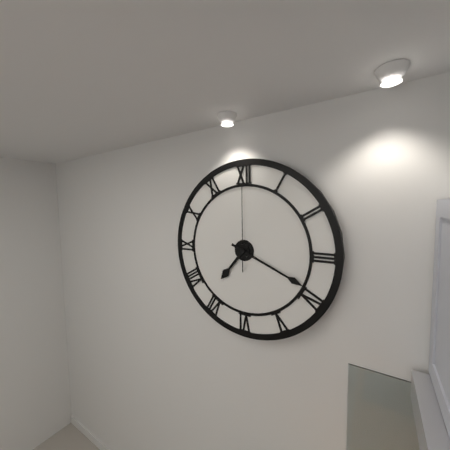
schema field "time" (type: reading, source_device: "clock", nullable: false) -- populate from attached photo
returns 7:19:00
